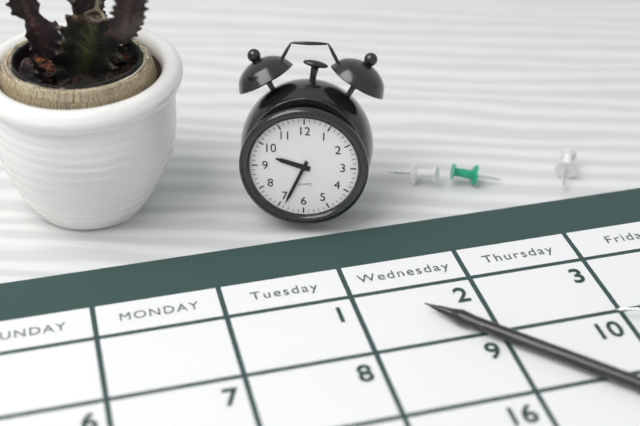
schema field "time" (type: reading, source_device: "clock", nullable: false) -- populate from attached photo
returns 9:34
